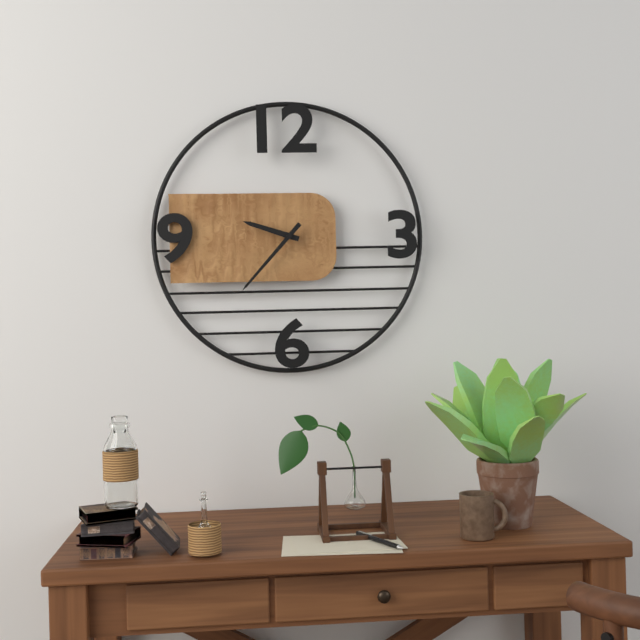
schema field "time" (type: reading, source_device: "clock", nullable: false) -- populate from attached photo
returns 9:37
